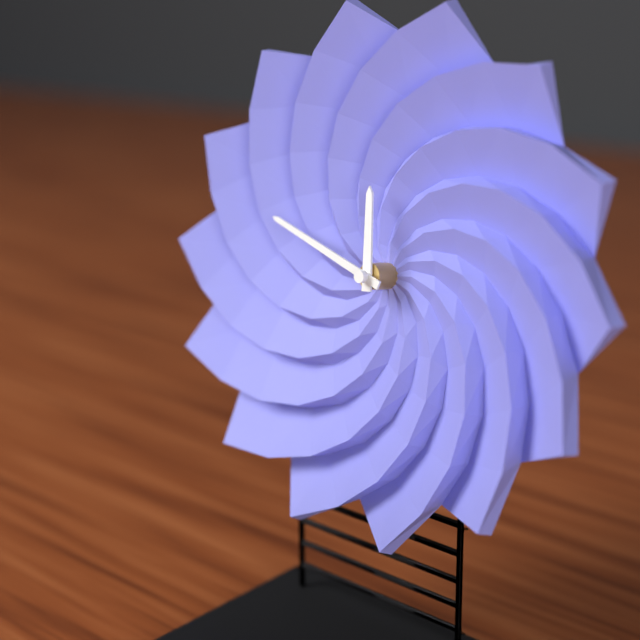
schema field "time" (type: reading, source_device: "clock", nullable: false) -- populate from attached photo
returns 11:48
